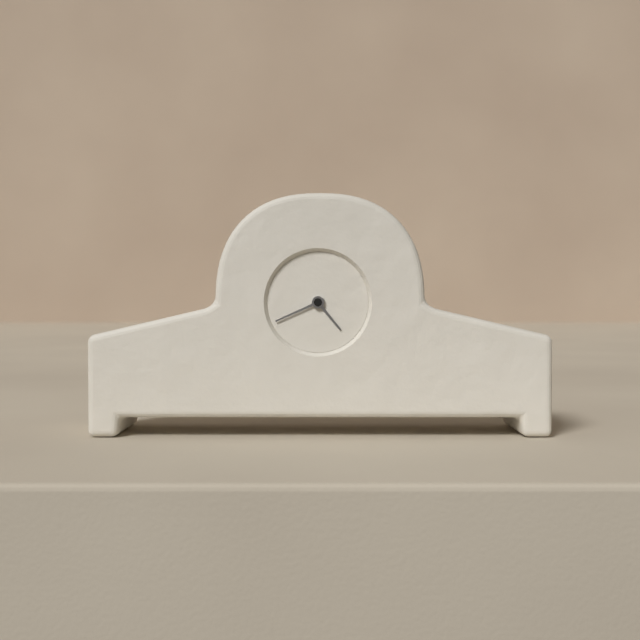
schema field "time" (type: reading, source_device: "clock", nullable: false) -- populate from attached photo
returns 4:41
